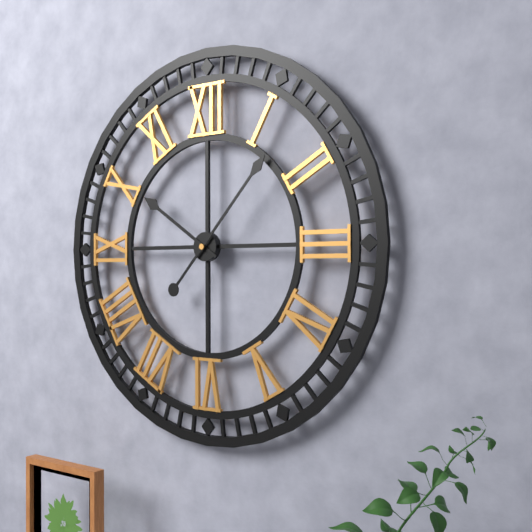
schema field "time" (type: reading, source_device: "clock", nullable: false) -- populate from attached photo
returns 10:07
